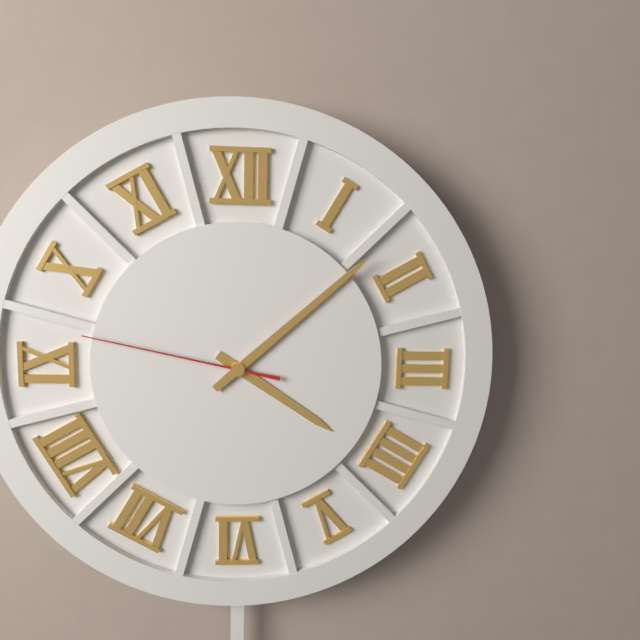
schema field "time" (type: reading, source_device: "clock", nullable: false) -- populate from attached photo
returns 4:08:47
